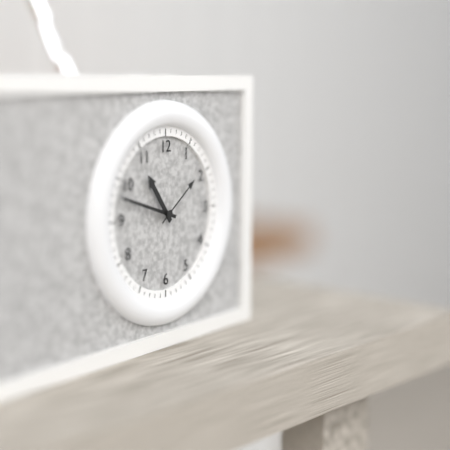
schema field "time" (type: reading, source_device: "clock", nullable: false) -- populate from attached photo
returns 10:48:09
